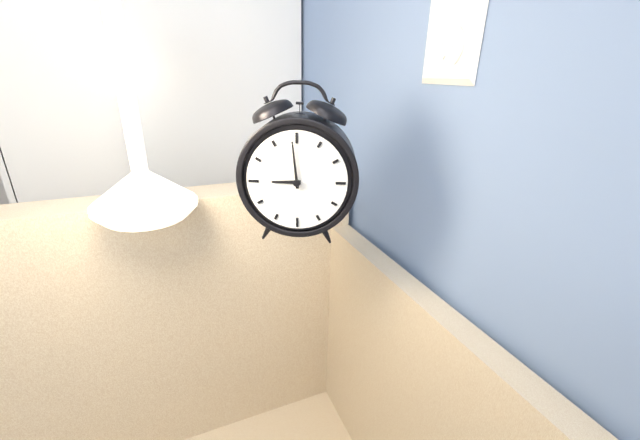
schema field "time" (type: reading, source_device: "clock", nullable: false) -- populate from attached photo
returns 8:59
